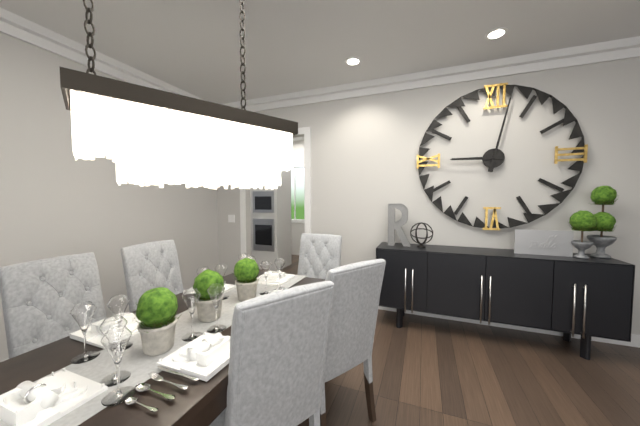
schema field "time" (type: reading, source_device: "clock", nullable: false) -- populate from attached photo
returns 9:02
